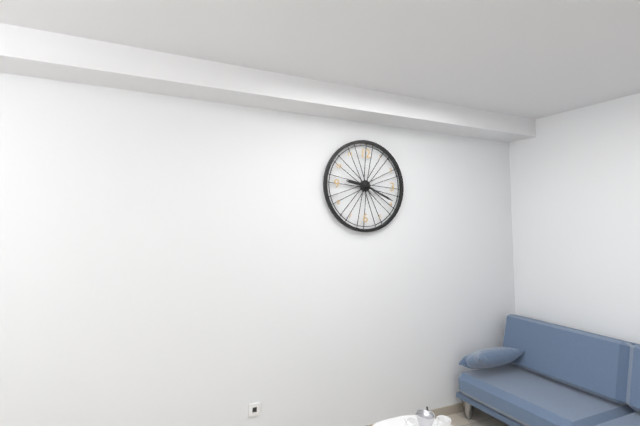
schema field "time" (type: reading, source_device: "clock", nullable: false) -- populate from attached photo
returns 9:19
